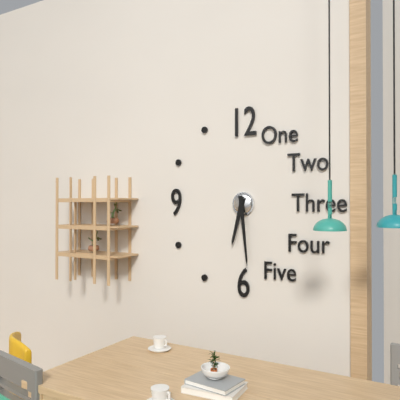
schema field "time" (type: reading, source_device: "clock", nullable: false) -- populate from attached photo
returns 6:29
